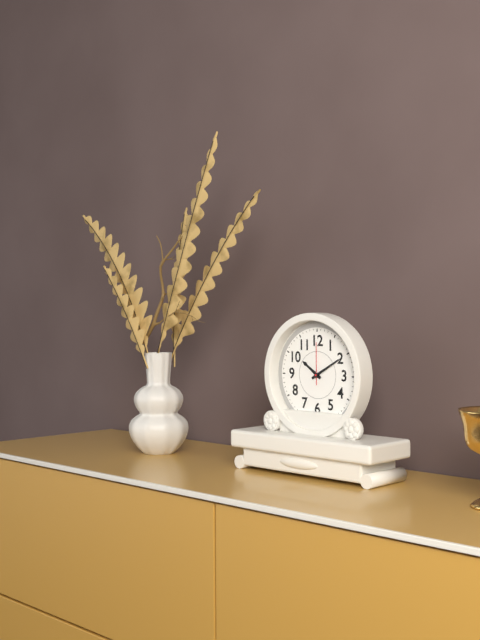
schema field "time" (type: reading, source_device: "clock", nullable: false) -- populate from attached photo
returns 10:10
